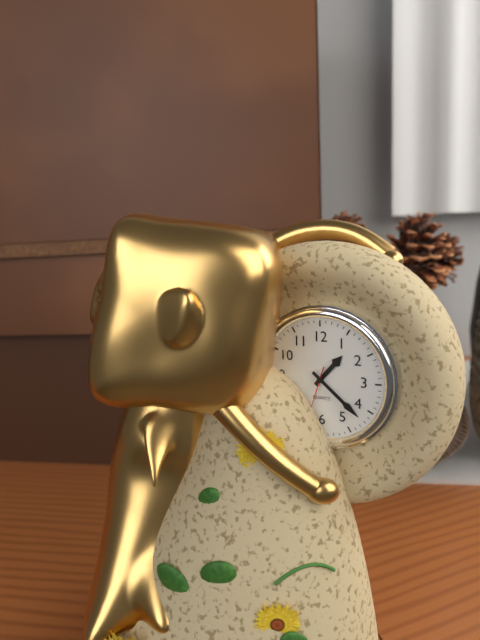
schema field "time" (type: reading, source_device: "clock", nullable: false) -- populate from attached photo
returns 1:22
